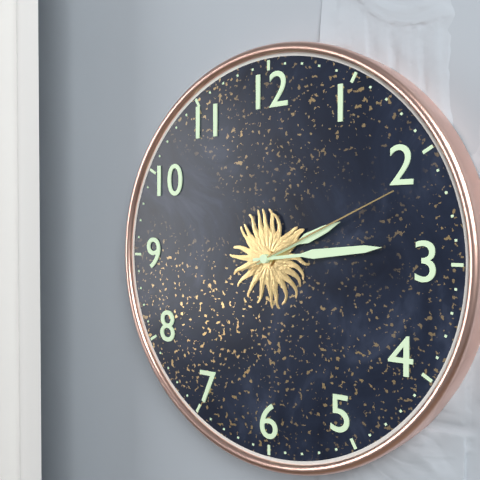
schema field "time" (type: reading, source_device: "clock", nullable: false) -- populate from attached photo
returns 2:14:11
